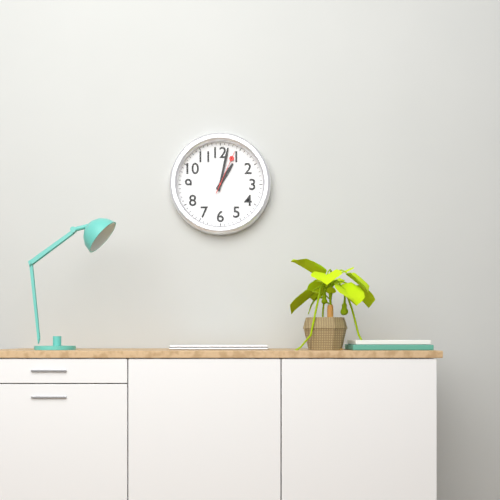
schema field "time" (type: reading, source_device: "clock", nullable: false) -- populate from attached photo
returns 1:02
